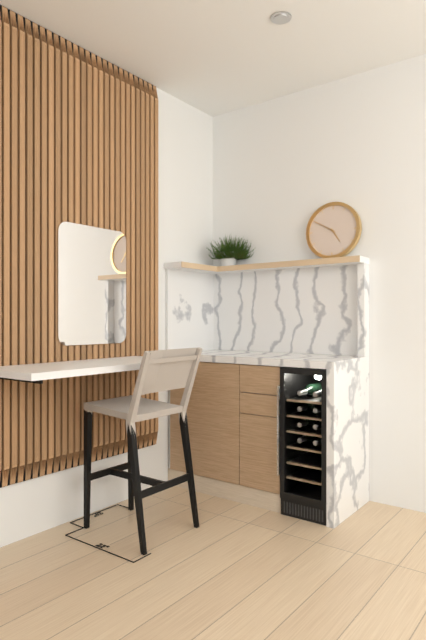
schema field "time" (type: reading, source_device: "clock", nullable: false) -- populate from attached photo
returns 4:50
